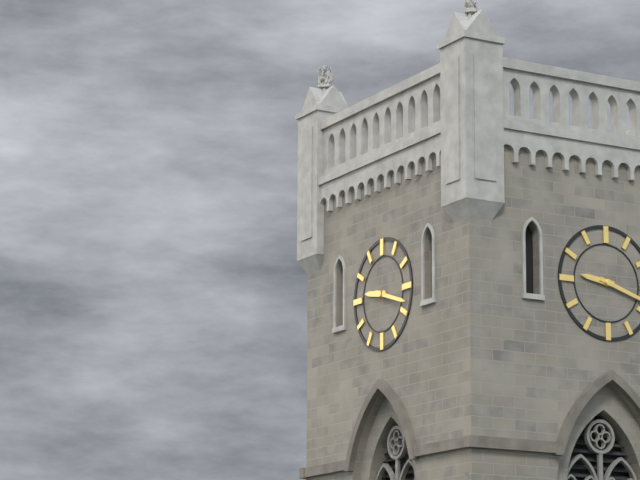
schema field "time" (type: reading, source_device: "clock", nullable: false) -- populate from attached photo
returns 9:18
